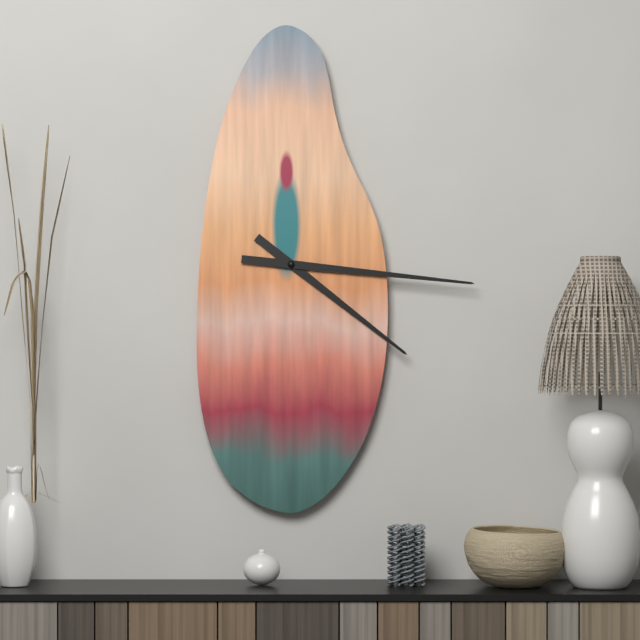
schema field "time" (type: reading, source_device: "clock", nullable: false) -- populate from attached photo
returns 4:16
